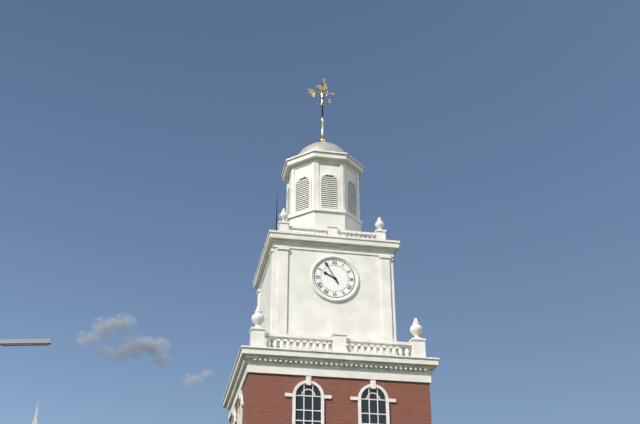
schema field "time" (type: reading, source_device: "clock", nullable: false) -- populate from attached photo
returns 9:55
